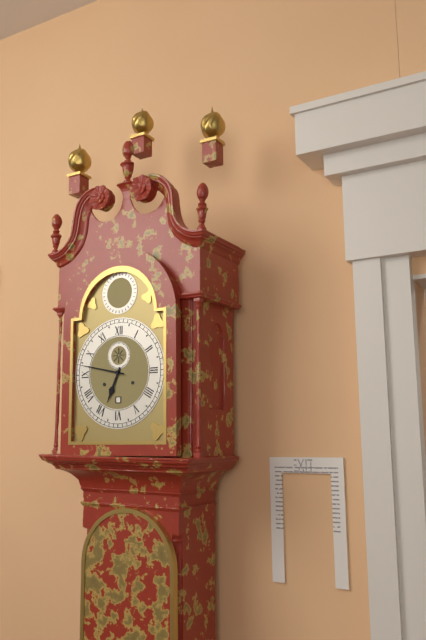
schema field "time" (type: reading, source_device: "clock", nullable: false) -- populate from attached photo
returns 6:47
